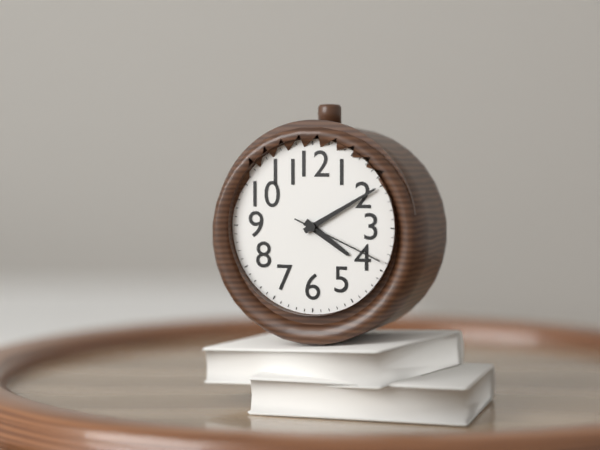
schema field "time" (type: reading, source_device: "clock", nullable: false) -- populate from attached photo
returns 4:10:19
